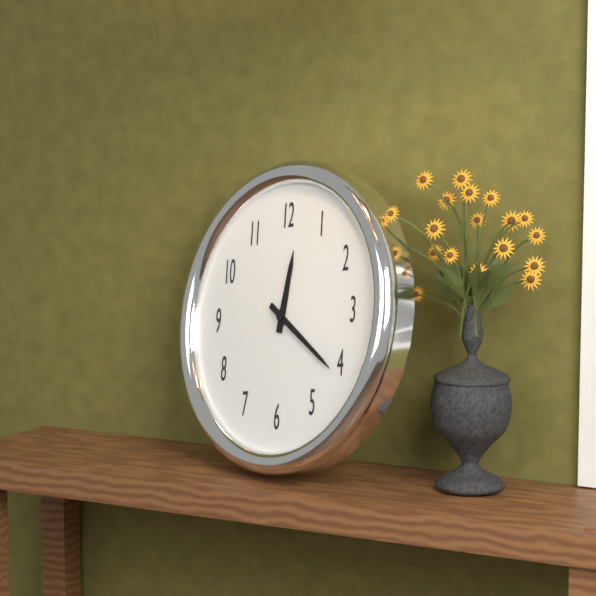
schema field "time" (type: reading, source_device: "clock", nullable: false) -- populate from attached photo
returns 12:21
